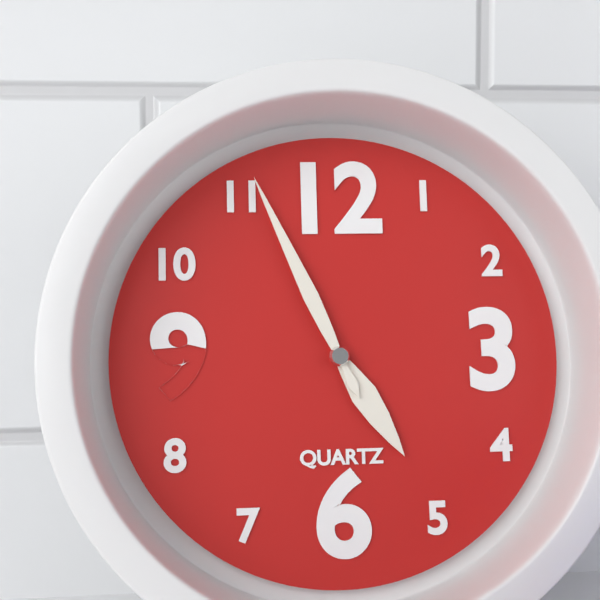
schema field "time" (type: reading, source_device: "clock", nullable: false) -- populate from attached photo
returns 4:56
